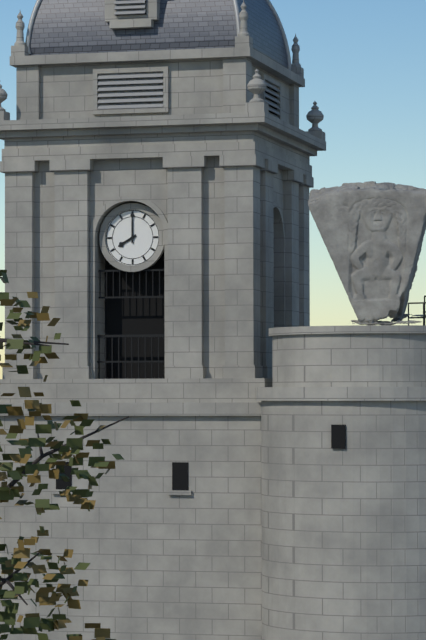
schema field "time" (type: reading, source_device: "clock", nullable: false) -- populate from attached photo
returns 8:00
